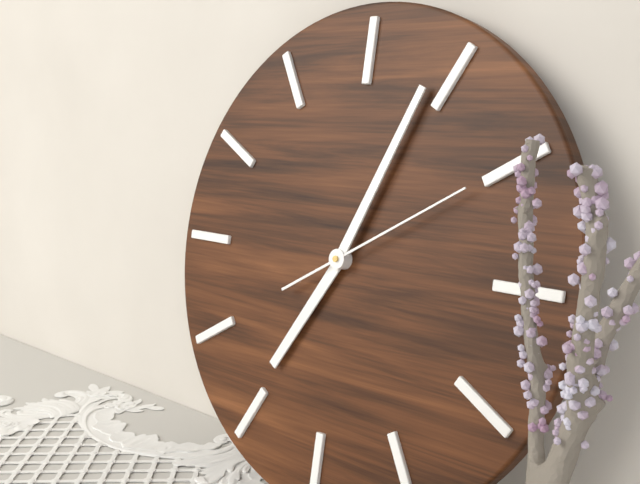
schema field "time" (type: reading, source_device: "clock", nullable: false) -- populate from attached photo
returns 7:04:10
